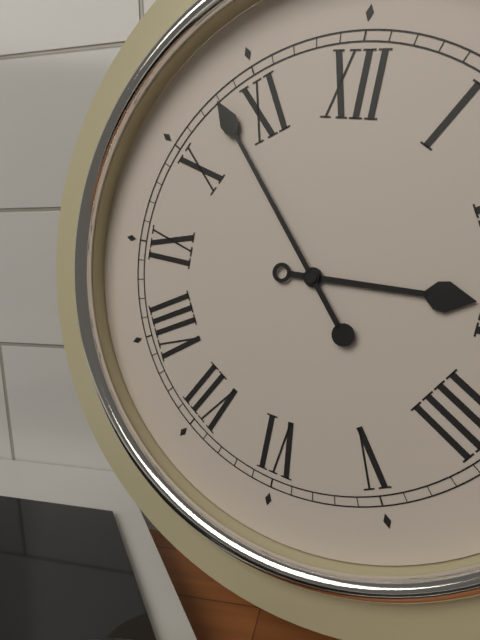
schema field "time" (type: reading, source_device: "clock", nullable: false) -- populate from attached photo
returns 2:53
